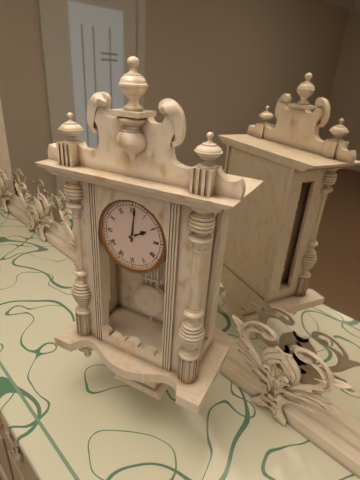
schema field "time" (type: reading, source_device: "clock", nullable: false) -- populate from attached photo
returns 2:01
